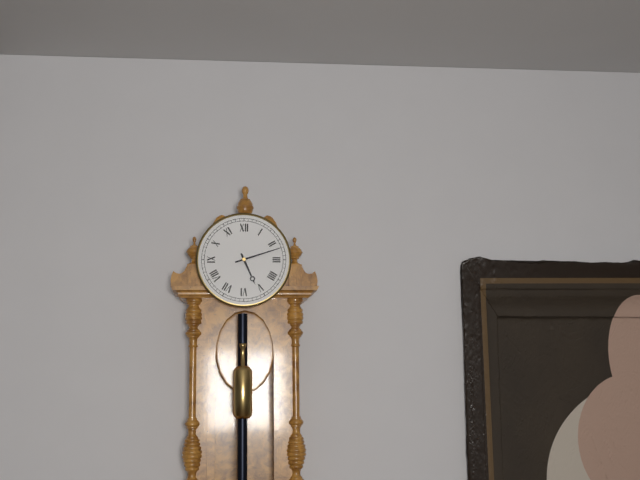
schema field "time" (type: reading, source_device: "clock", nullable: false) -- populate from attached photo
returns 5:12
